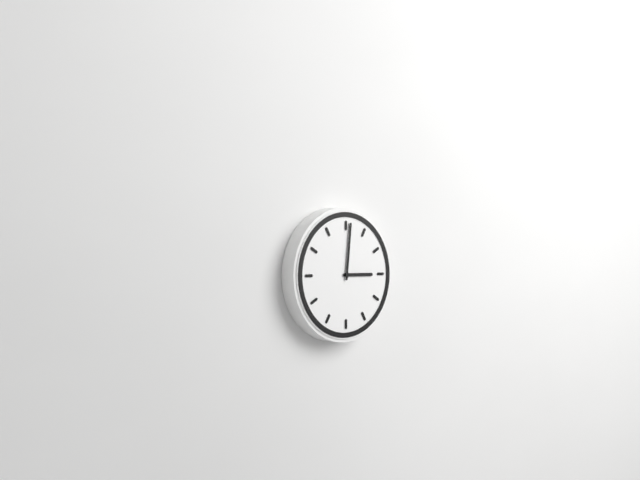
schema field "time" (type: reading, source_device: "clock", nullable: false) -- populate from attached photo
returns 3:01
